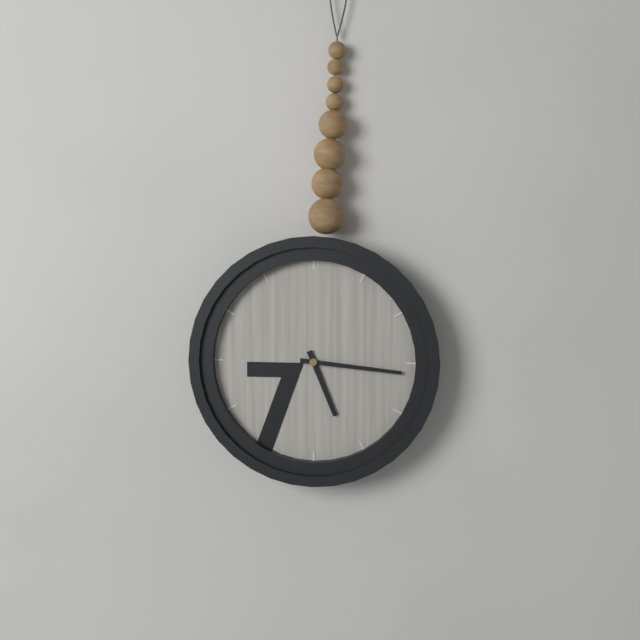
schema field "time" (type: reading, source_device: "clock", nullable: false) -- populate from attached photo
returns 5:16
